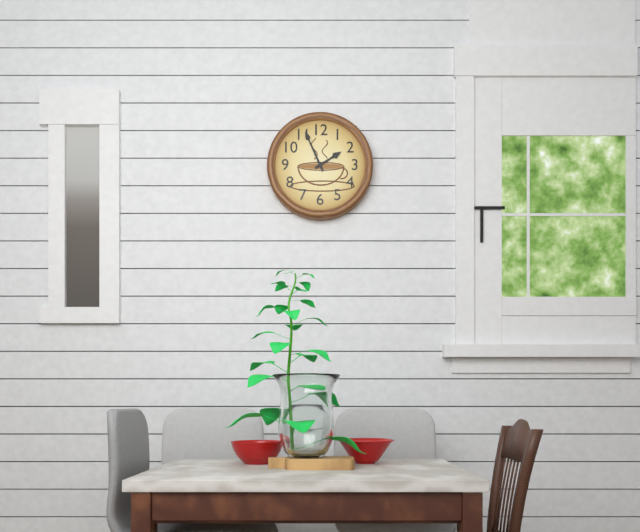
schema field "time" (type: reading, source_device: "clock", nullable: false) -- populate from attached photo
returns 1:56
